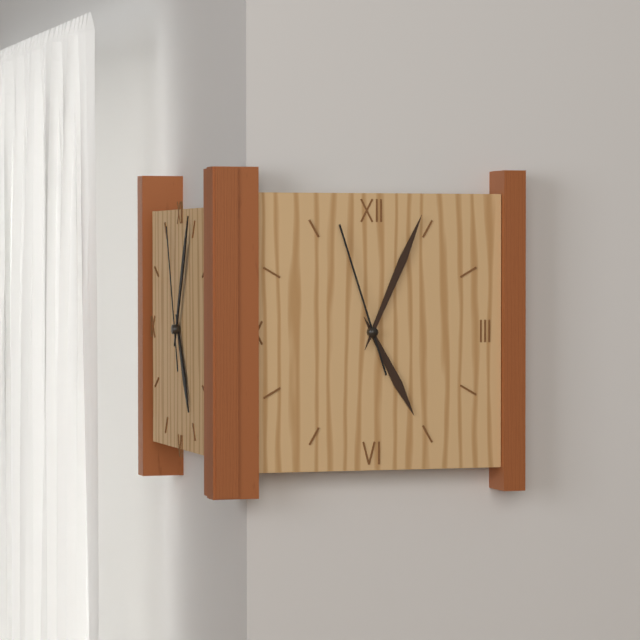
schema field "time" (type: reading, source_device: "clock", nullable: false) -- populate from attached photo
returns 5:04:57
